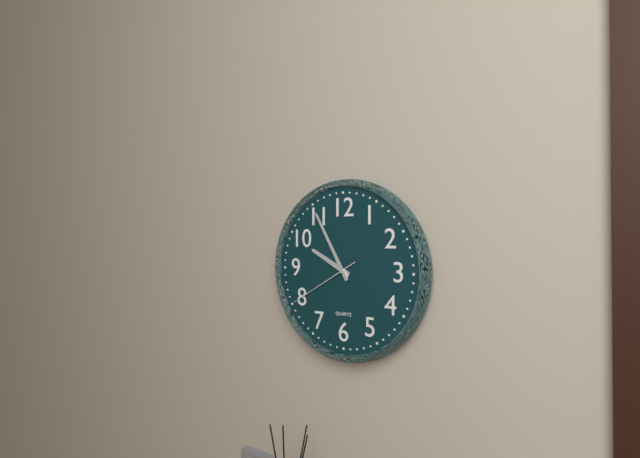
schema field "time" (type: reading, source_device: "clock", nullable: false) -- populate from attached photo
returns 9:55:40
